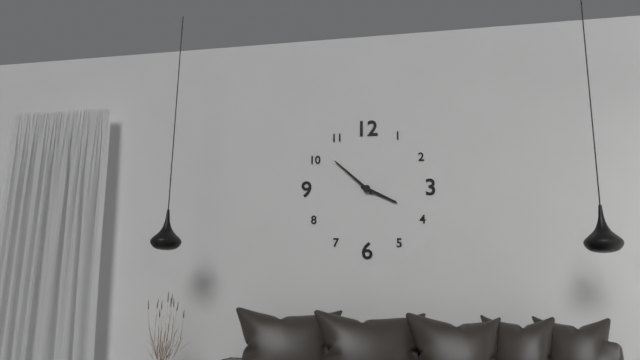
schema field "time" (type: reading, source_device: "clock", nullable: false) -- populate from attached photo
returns 3:52
